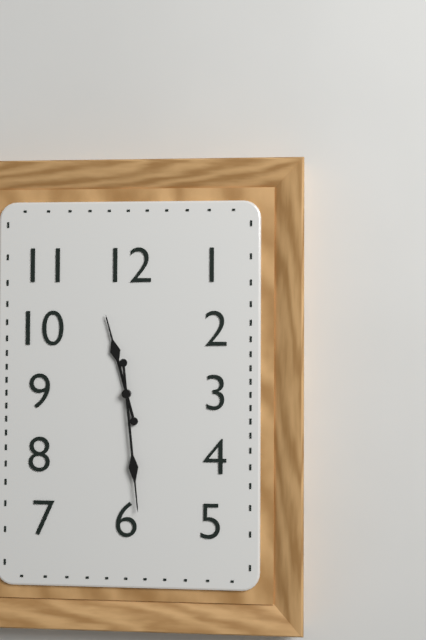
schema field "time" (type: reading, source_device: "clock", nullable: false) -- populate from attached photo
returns 11:29
